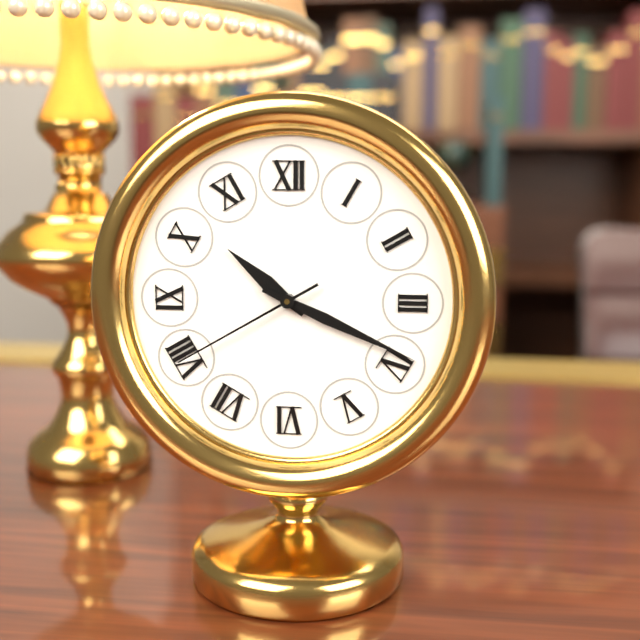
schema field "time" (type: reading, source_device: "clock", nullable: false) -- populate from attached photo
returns 10:19:40
